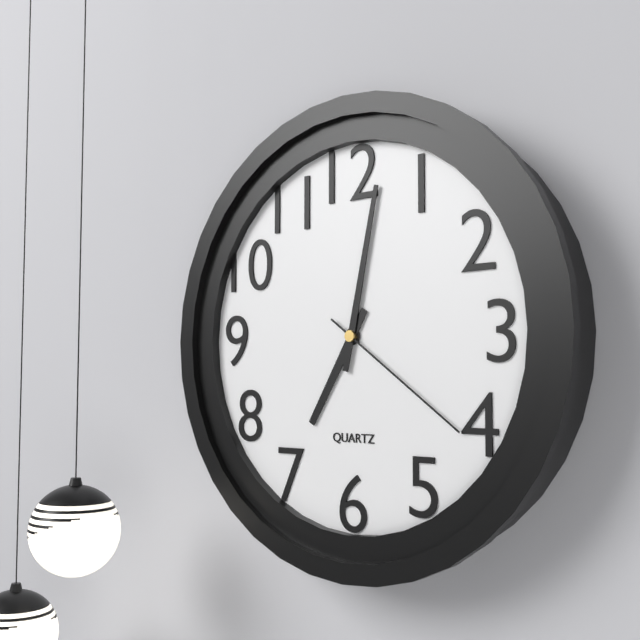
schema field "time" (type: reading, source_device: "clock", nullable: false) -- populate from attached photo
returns 7:02:21
